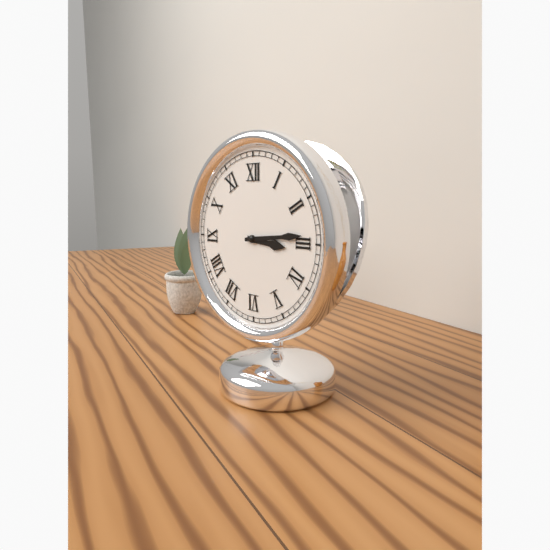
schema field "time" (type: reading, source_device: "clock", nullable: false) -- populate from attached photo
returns 3:14
